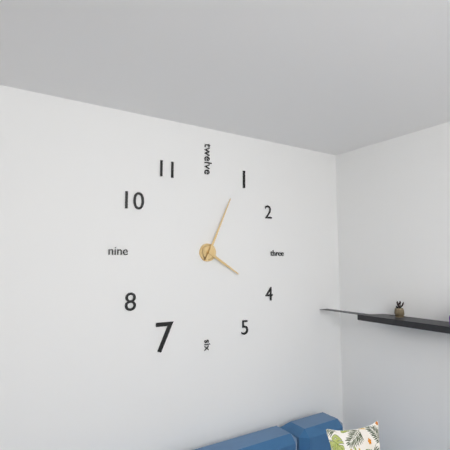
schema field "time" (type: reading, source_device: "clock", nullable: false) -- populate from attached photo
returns 4:04
